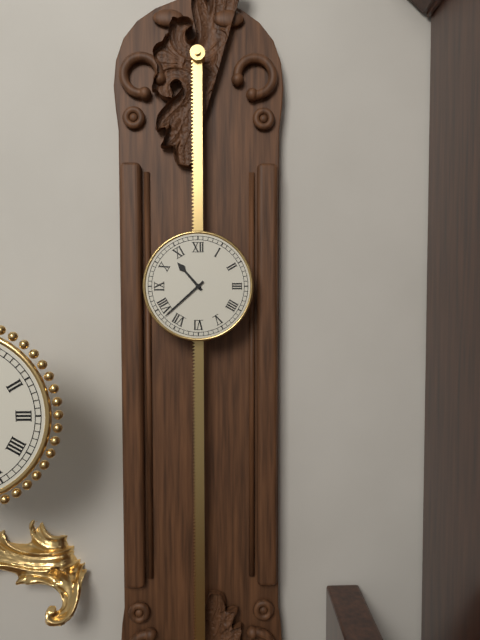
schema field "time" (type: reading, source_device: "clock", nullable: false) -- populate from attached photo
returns 10:38
